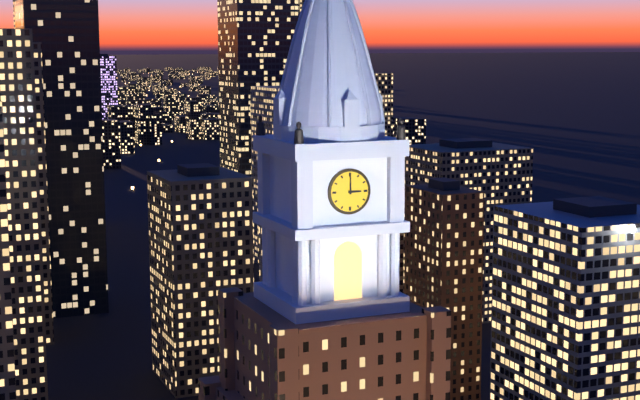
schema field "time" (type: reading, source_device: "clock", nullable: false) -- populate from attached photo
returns 3:00
